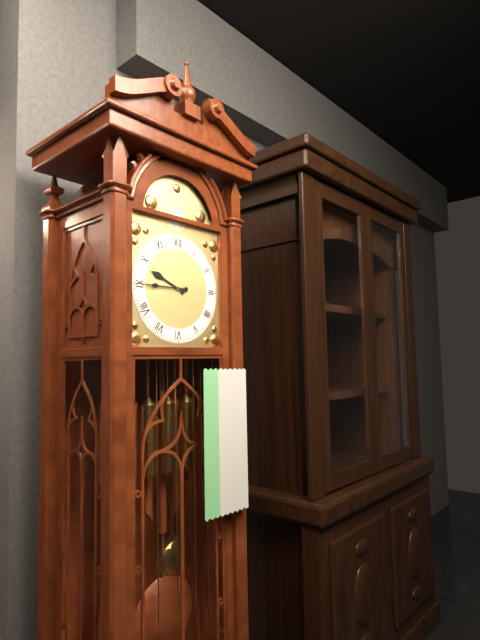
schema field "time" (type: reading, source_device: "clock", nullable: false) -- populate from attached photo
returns 9:45
